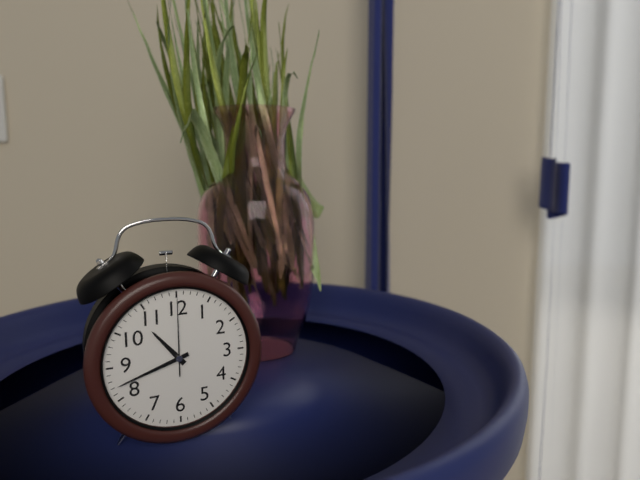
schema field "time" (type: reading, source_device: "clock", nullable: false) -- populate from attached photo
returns 10:42:00
